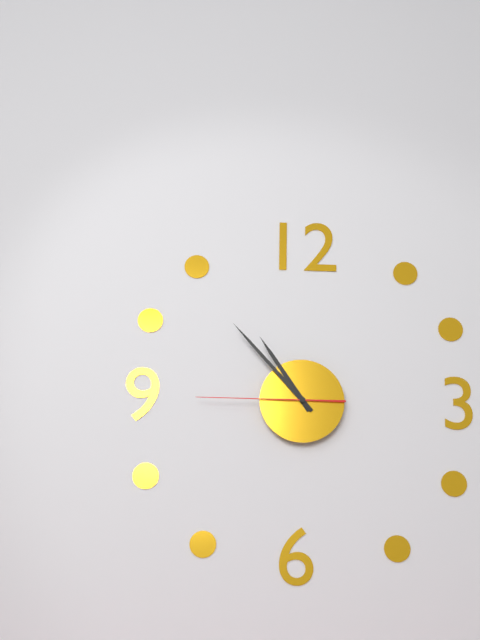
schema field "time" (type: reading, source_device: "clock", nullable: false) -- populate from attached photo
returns 10:53:45
